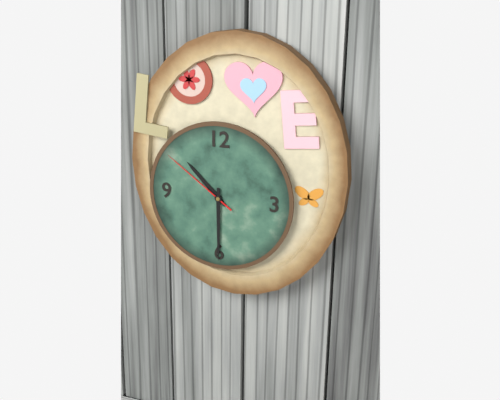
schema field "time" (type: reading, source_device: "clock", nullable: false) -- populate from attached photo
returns 10:30:51
